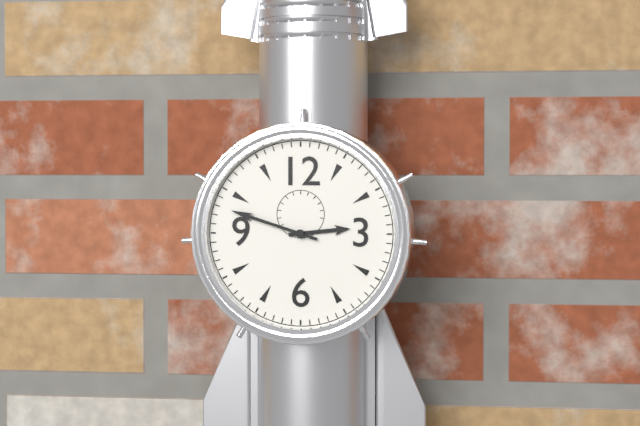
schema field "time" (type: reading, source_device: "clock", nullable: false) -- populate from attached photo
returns 2:48
